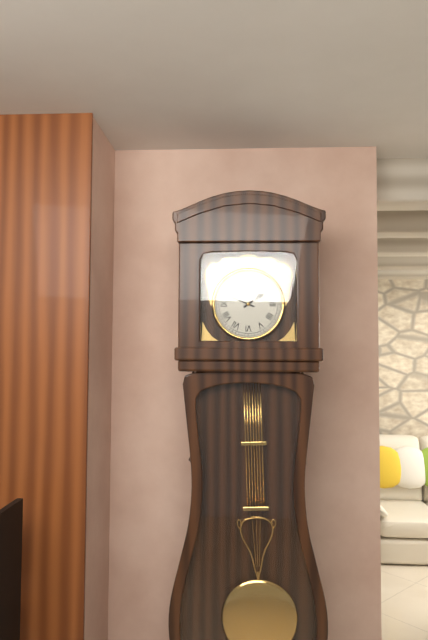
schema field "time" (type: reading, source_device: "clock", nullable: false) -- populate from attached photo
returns 1:49
